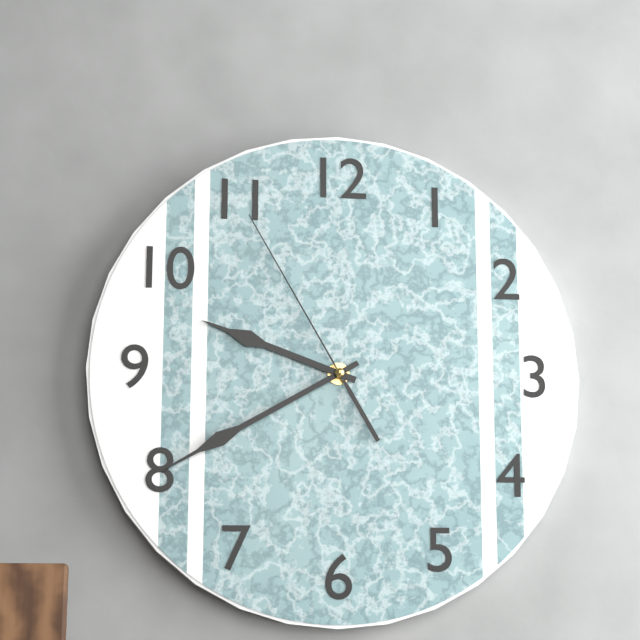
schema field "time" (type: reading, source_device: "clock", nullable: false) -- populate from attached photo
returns 9:40:55
